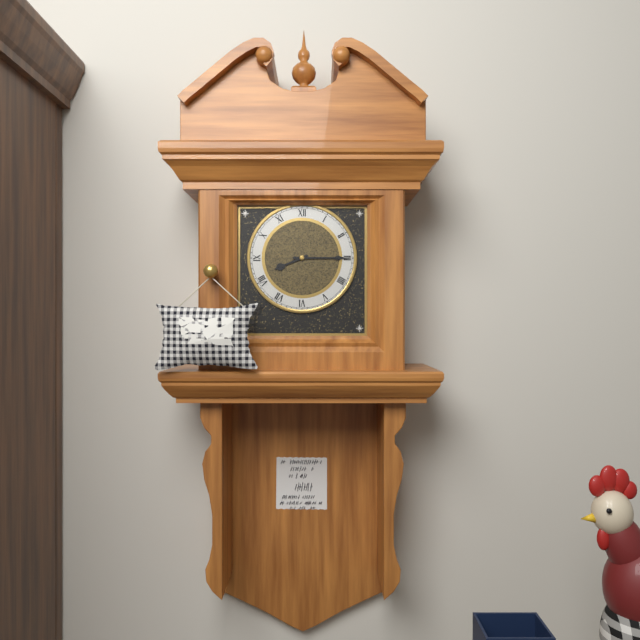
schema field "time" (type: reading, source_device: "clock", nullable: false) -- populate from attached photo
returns 8:15
